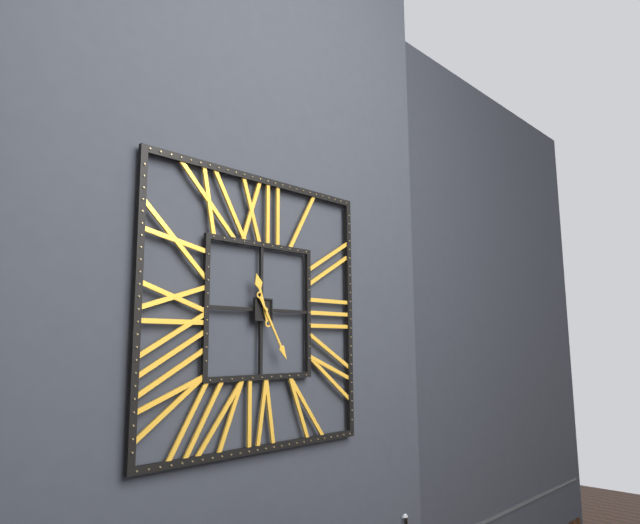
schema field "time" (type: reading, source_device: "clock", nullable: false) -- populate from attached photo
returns 11:25
